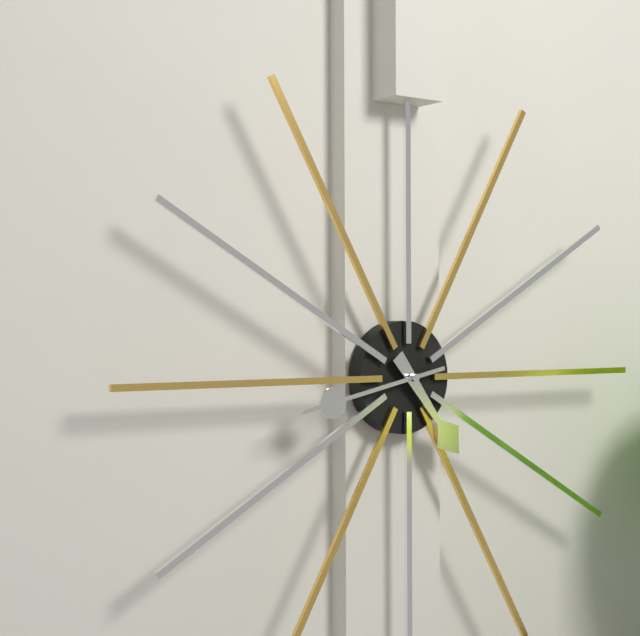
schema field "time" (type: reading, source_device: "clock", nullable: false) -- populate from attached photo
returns 4:43
